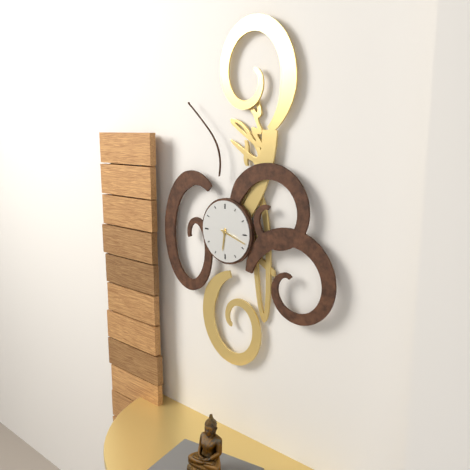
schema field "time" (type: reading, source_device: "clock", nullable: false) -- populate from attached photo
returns 6:18
